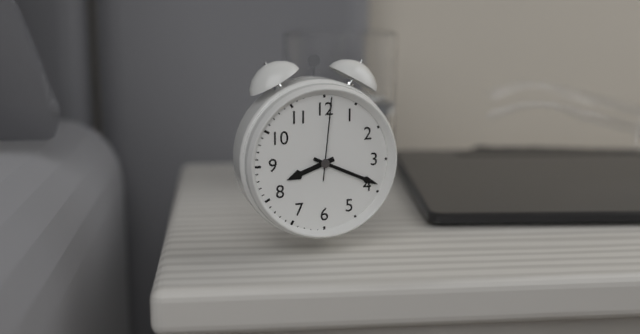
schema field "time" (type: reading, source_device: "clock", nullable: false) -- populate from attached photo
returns 8:19:01
